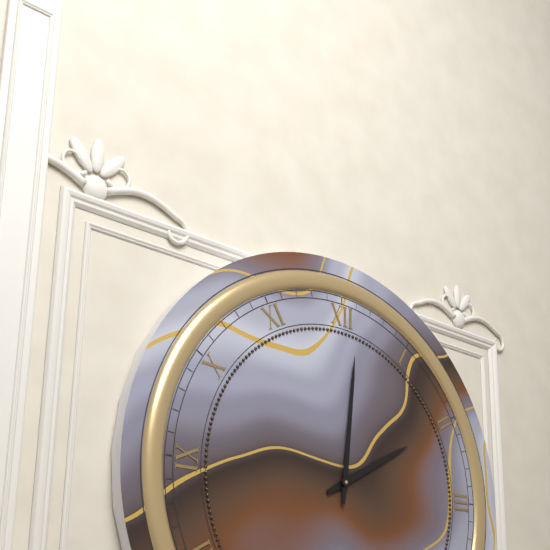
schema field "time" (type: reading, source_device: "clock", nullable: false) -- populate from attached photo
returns 2:01
